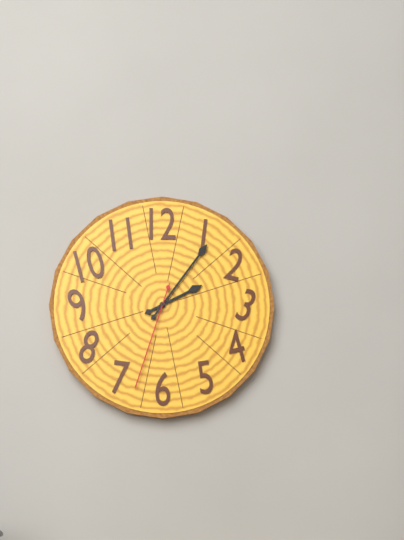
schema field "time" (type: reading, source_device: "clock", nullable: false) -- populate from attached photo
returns 2:06:33
